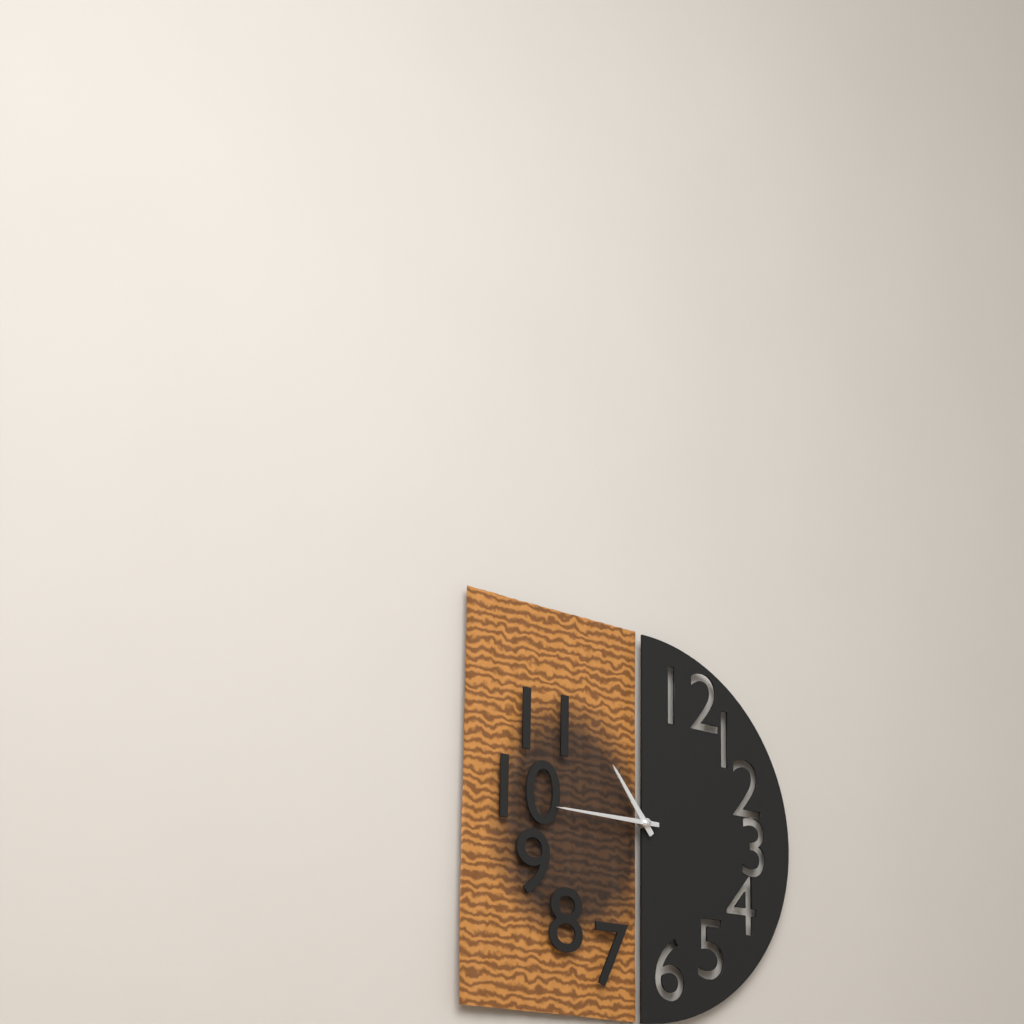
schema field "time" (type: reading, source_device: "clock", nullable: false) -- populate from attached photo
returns 10:45
